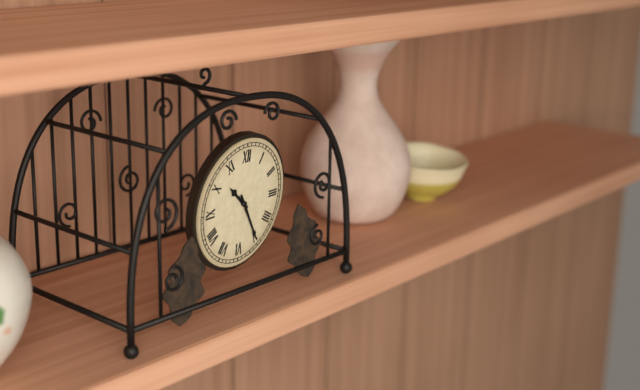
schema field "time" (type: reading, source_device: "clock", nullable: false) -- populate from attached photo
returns 10:25
